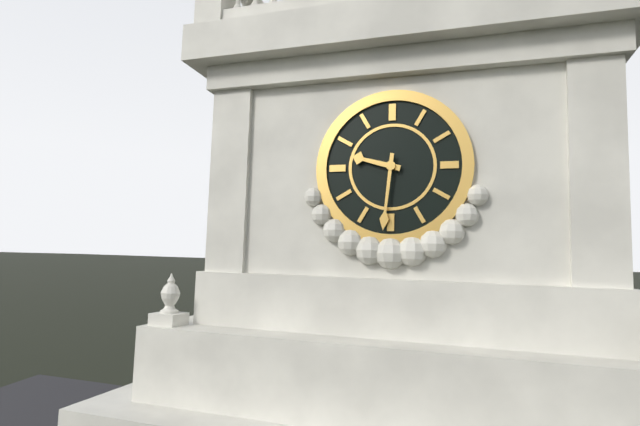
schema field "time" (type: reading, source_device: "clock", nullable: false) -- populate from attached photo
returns 9:31
